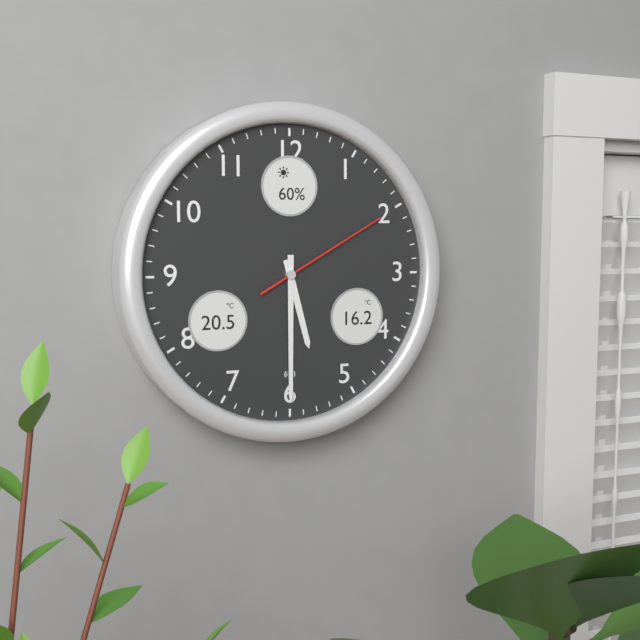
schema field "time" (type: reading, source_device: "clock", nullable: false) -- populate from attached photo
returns 5:30:10
